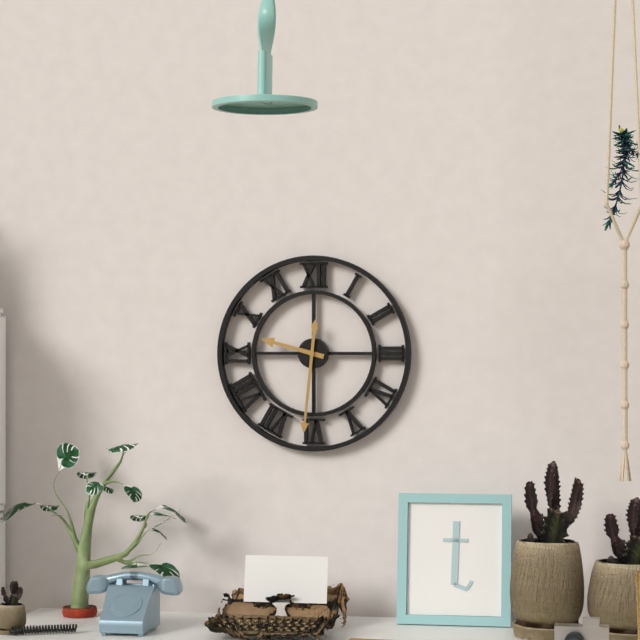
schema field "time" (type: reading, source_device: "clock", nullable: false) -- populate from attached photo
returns 9:31
